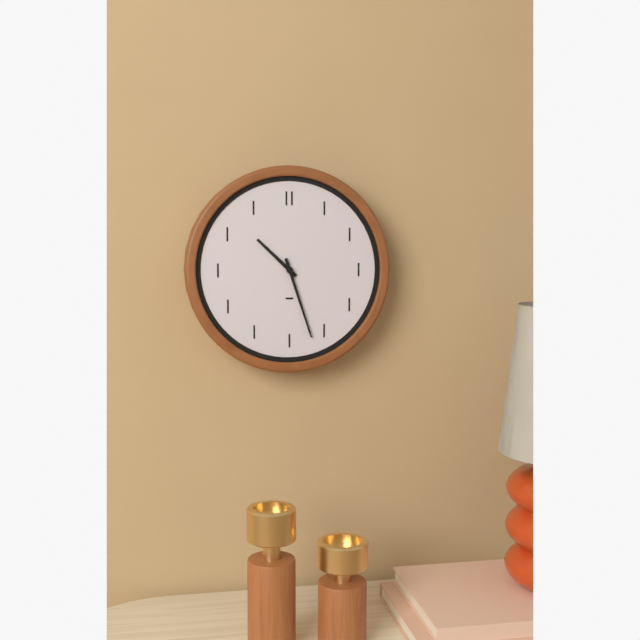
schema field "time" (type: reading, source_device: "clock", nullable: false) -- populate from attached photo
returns 10:27
